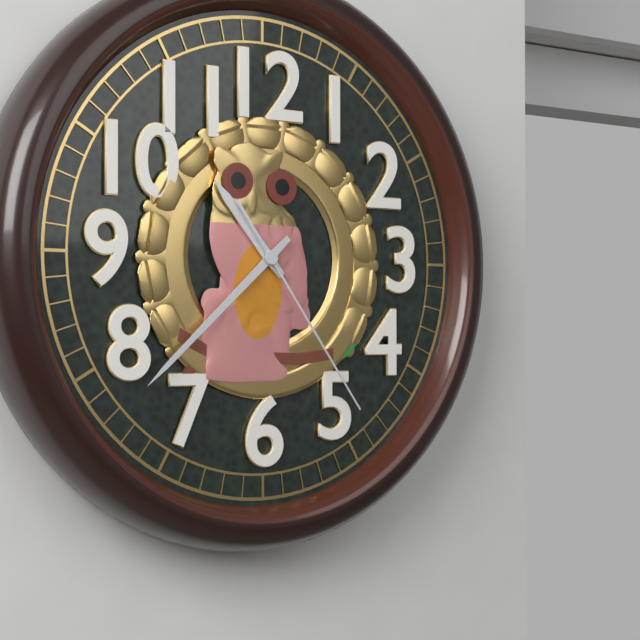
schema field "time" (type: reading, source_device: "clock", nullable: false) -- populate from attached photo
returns 10:38:24
